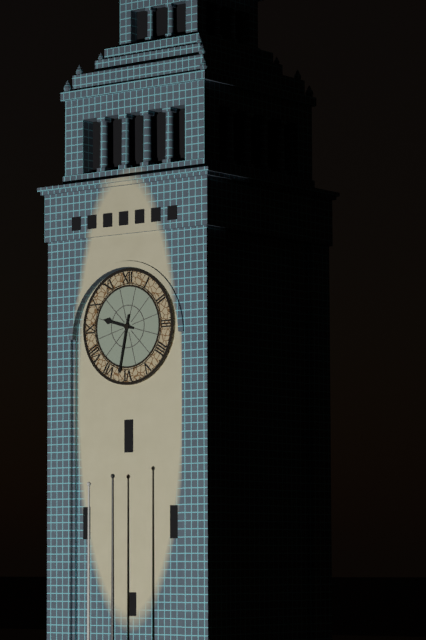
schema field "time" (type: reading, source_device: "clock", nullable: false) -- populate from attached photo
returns 9:32
